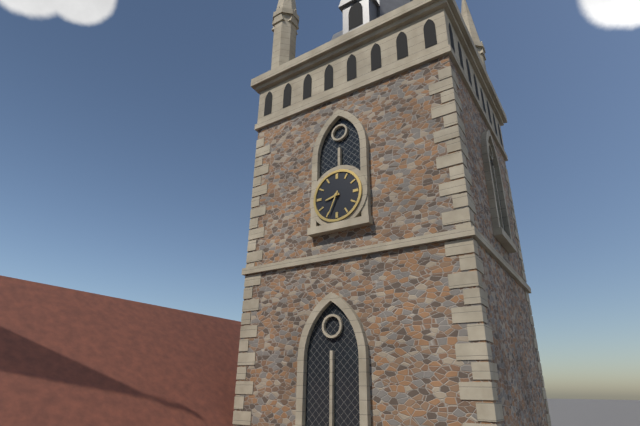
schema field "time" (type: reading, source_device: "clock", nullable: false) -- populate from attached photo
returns 8:34
